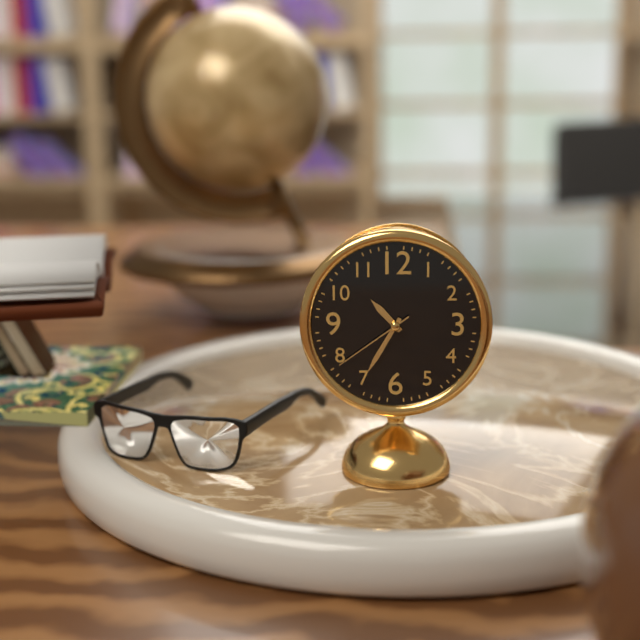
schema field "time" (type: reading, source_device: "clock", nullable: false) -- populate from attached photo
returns 10:35:39
